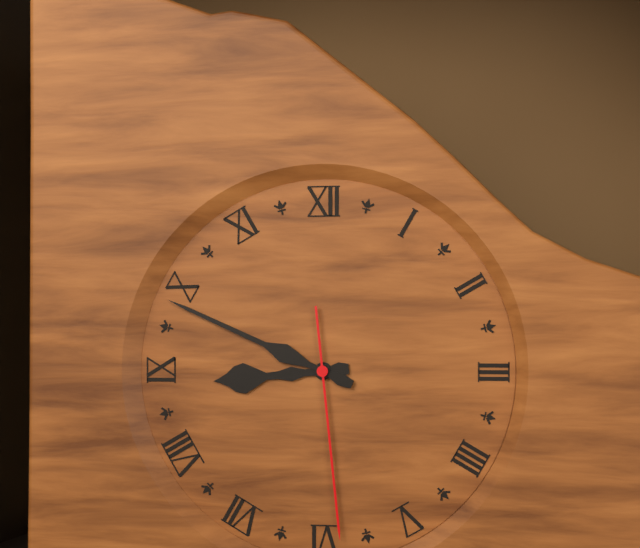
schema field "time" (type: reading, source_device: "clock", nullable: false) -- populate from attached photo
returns 8:49:29
